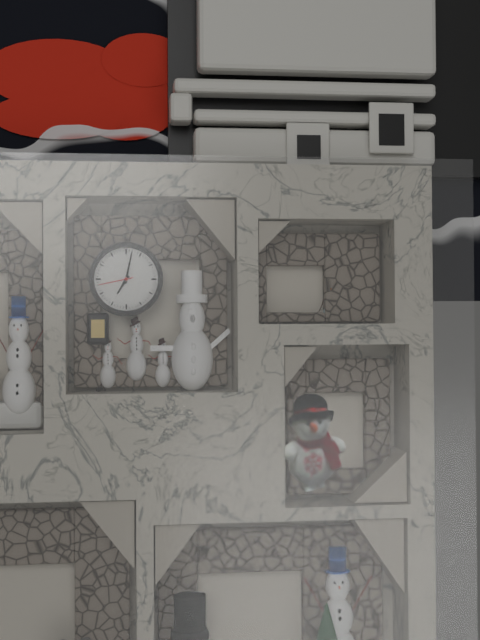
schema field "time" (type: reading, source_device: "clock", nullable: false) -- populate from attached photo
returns 7:02
